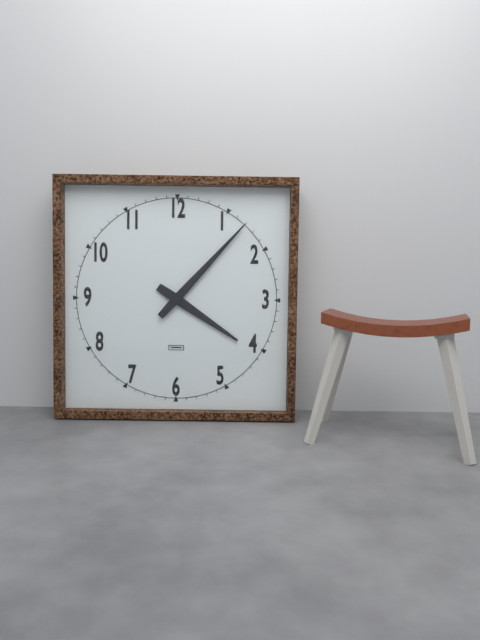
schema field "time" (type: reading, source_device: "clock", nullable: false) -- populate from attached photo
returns 4:07
